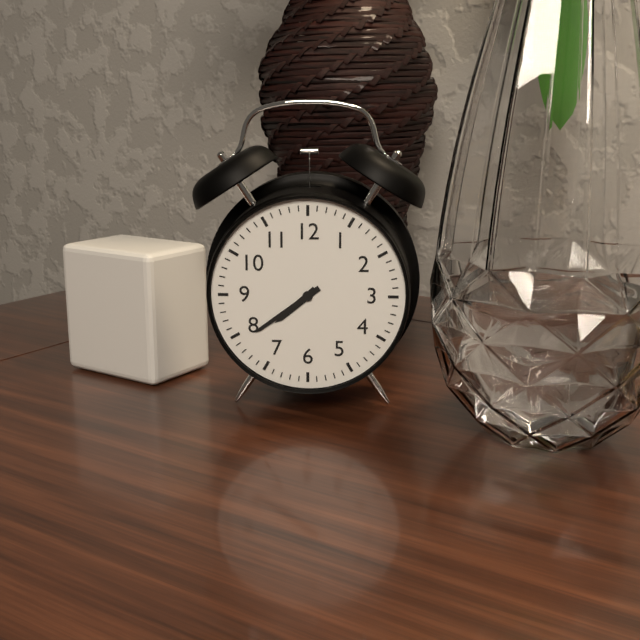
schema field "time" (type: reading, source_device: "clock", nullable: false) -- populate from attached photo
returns 7:39
